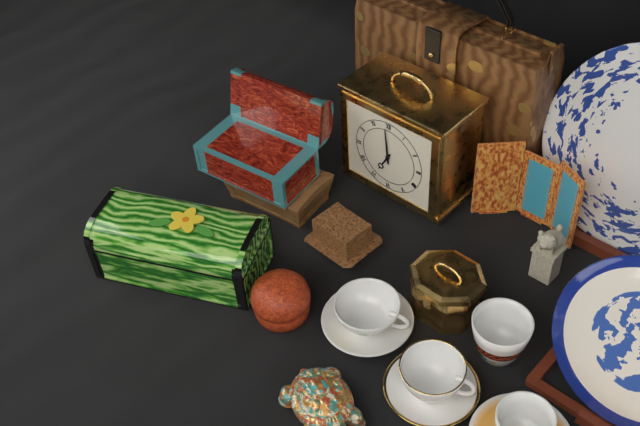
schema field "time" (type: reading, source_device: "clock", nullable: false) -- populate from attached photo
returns 6:59
